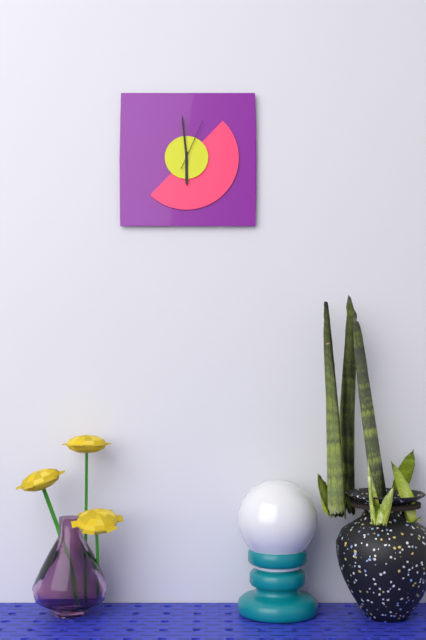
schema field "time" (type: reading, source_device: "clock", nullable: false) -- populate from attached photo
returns 5:59:04
